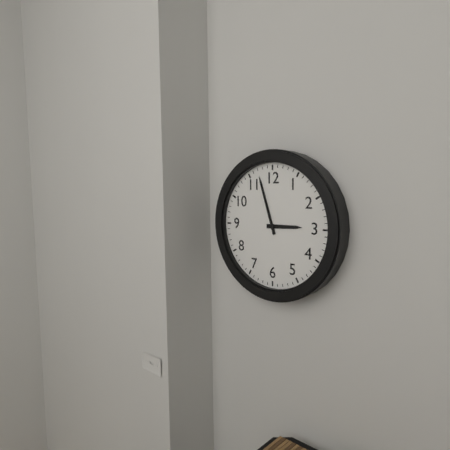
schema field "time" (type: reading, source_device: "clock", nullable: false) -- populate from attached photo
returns 2:57
